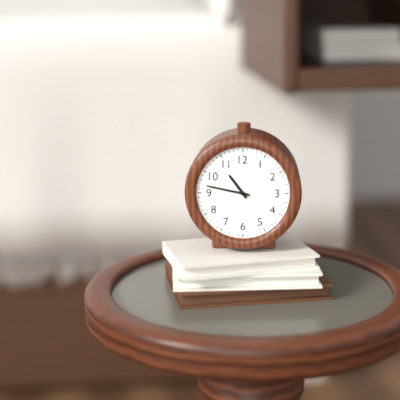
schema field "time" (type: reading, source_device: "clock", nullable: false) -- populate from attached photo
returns 10:47
